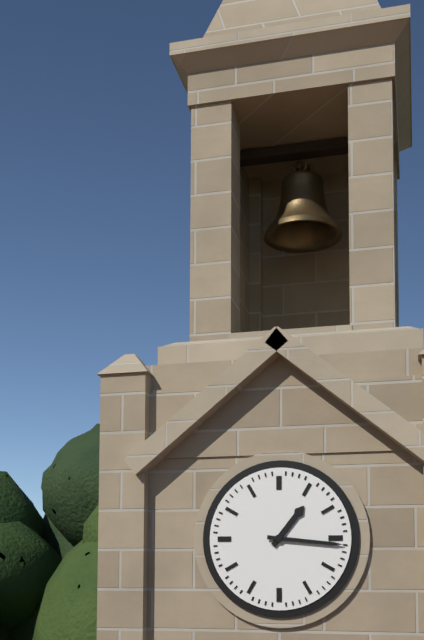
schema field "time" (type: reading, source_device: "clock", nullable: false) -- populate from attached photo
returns 1:16
